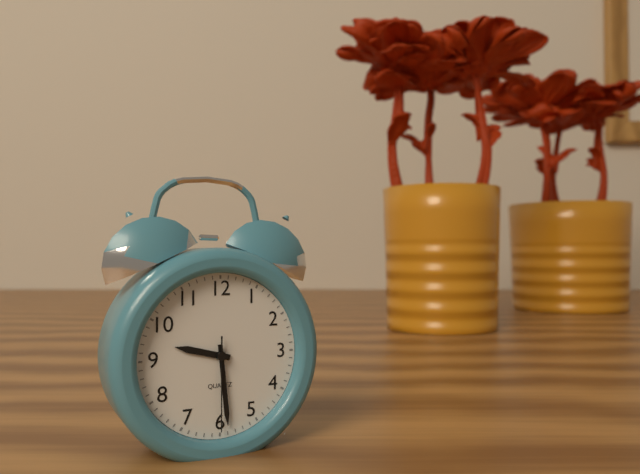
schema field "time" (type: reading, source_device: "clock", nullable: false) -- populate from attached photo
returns 9:29:30
